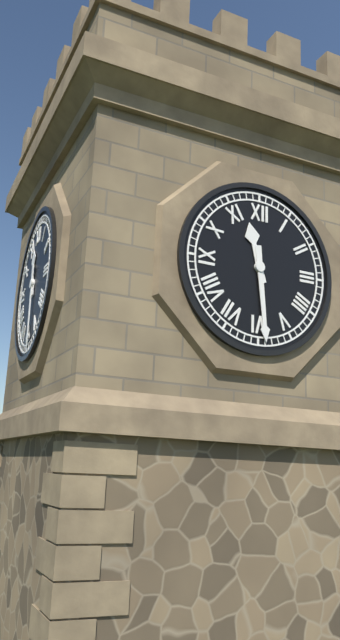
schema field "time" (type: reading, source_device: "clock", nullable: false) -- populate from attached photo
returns 11:29
